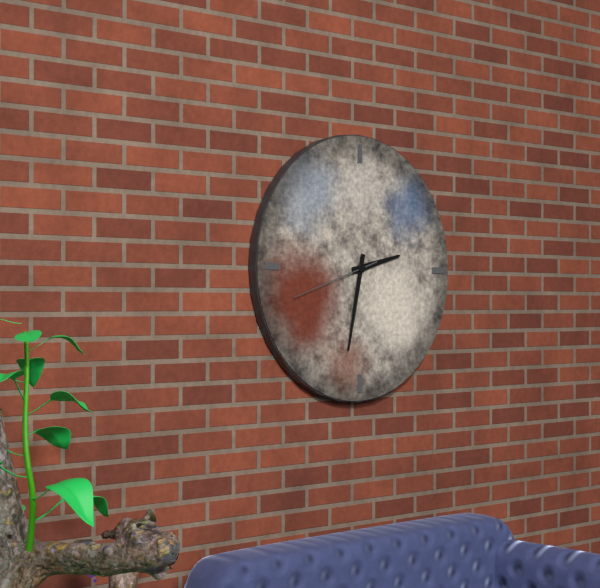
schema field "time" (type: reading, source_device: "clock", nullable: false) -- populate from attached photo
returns 2:32:42
